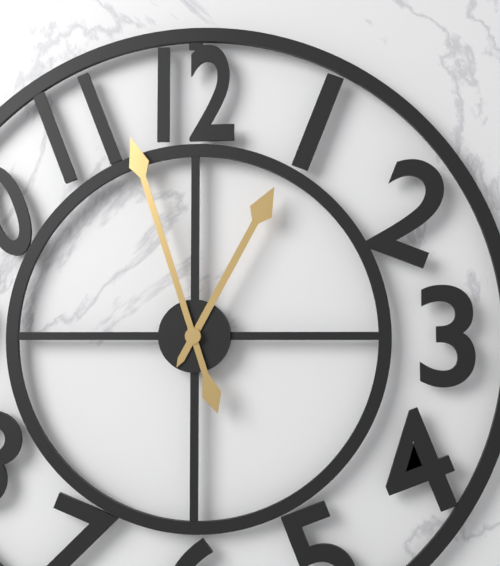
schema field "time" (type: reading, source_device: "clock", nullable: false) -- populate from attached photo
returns 12:57
